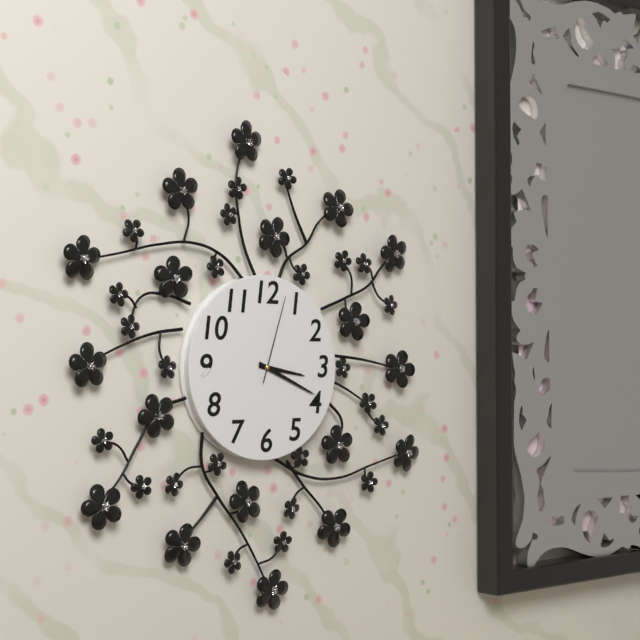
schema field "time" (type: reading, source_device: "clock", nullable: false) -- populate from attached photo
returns 3:19:03
